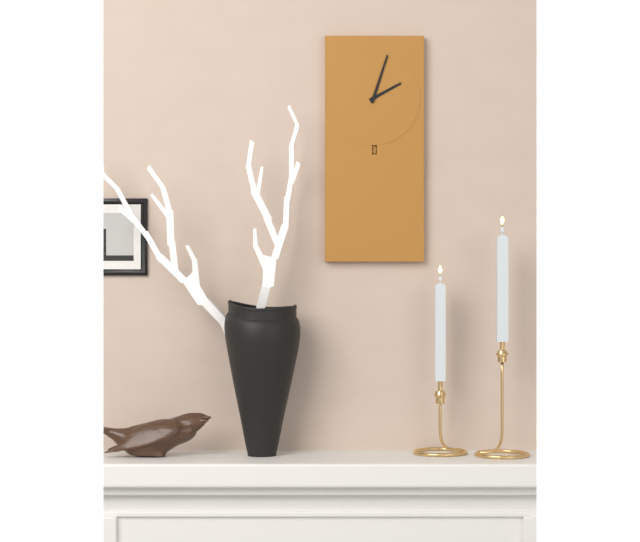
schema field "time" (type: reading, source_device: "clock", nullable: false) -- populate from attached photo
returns 2:03
